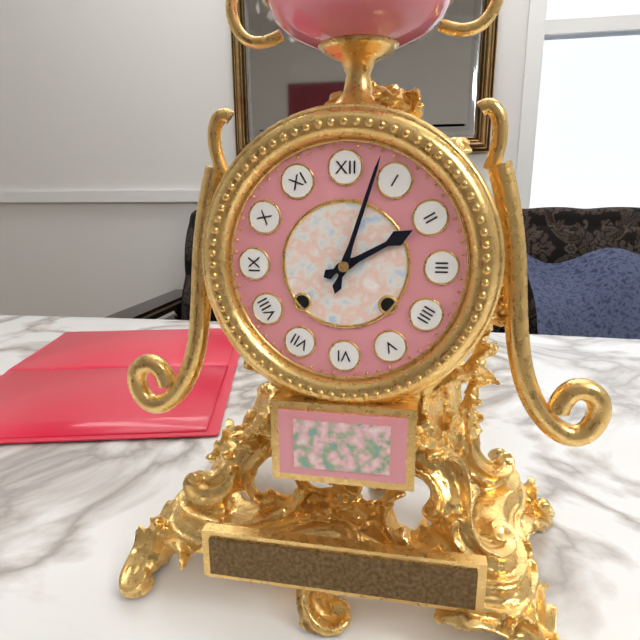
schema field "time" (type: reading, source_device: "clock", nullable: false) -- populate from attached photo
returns 2:03
